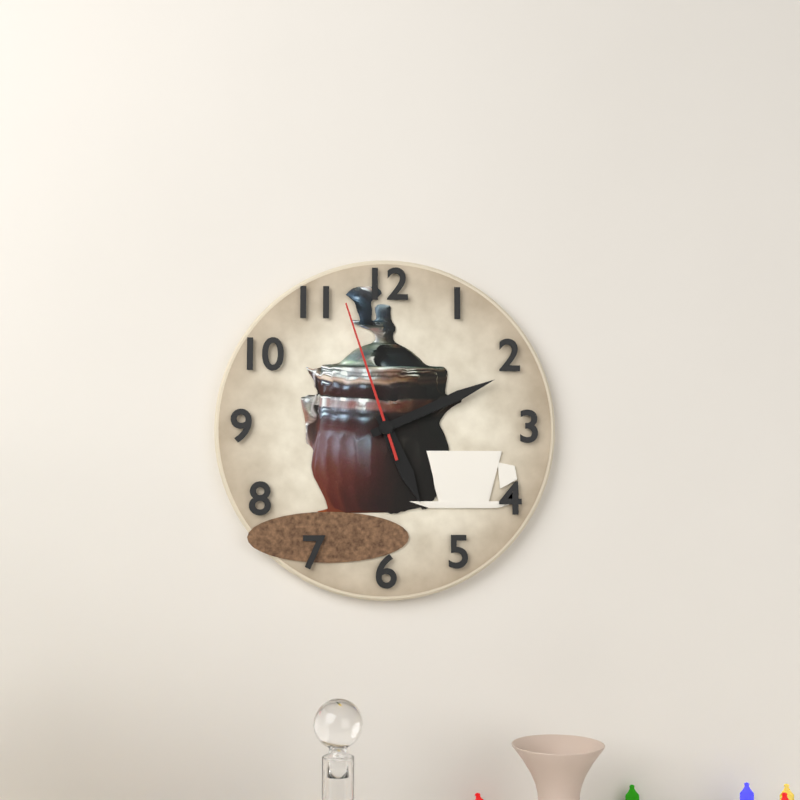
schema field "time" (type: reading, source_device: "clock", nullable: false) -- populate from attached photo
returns 5:11:57
